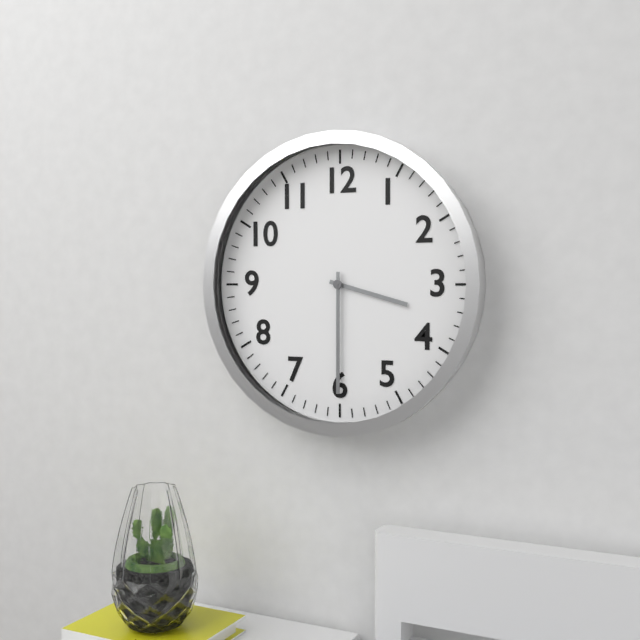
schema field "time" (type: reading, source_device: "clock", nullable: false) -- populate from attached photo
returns 3:30
